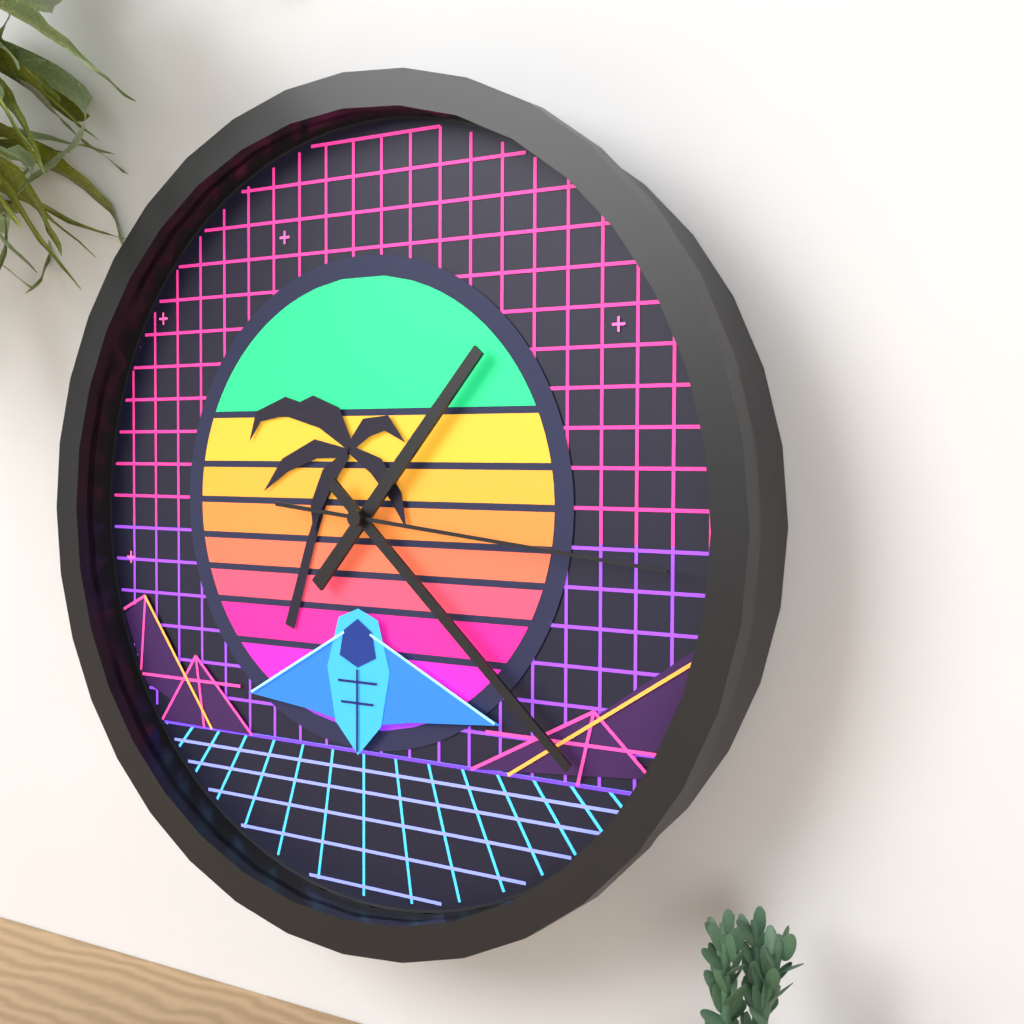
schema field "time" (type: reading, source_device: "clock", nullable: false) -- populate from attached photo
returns 1:22:16
